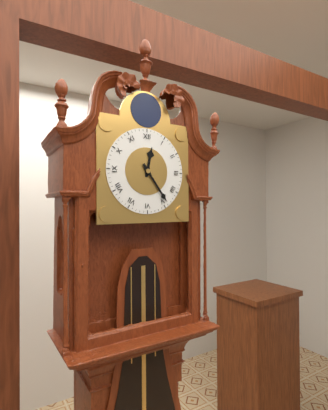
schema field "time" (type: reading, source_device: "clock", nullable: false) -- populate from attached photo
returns 12:24
